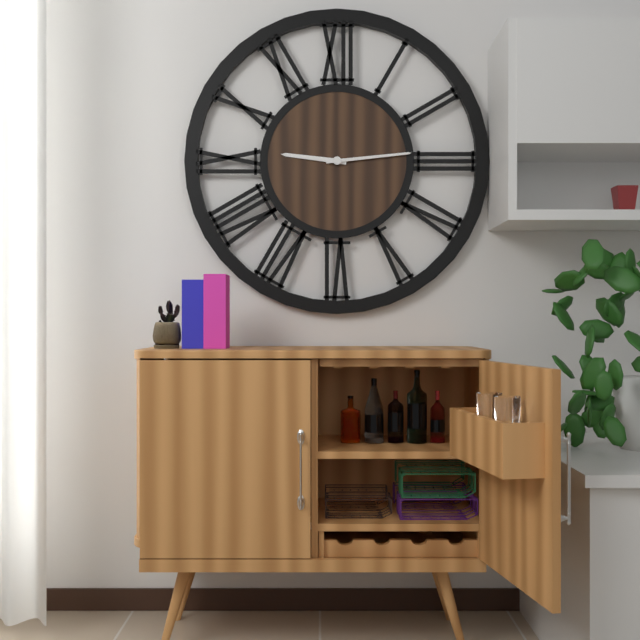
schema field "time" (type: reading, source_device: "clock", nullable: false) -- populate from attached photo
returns 9:14
